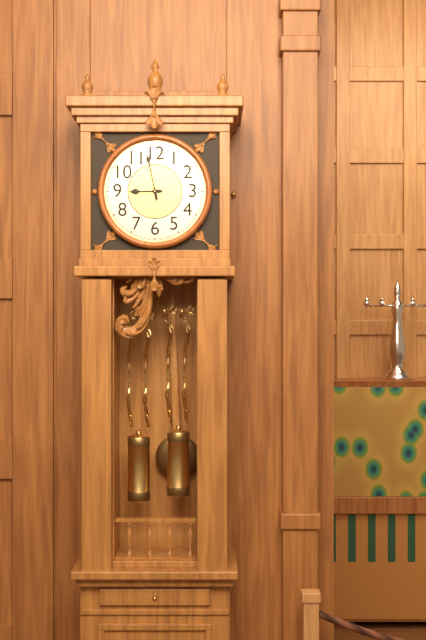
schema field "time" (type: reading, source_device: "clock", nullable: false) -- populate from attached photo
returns 8:58
